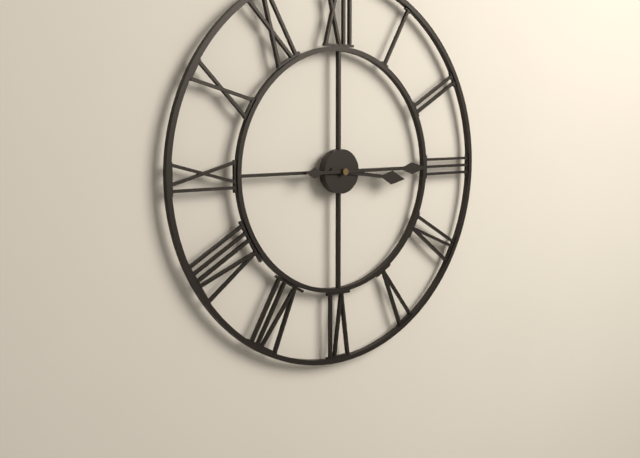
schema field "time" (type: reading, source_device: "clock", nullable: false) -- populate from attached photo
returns 3:15
